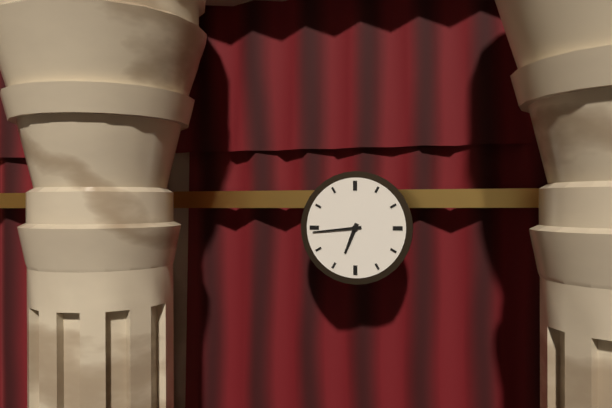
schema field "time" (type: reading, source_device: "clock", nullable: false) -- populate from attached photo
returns 6:44
